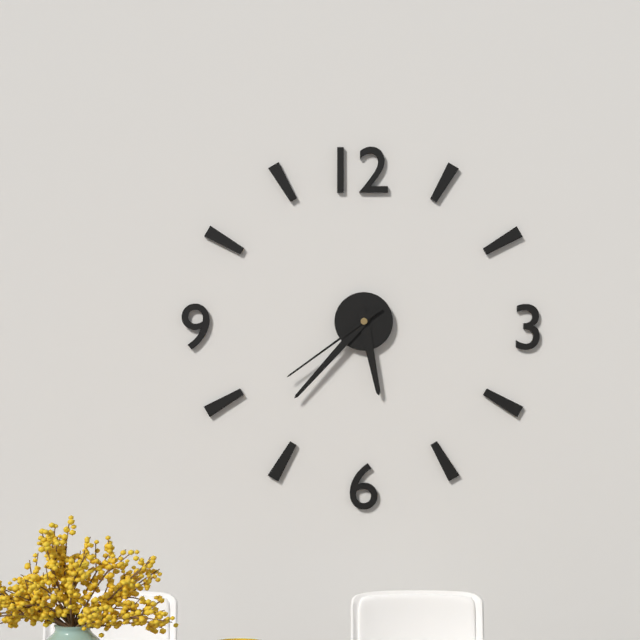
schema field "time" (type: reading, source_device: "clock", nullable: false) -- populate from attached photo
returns 5:37:39
